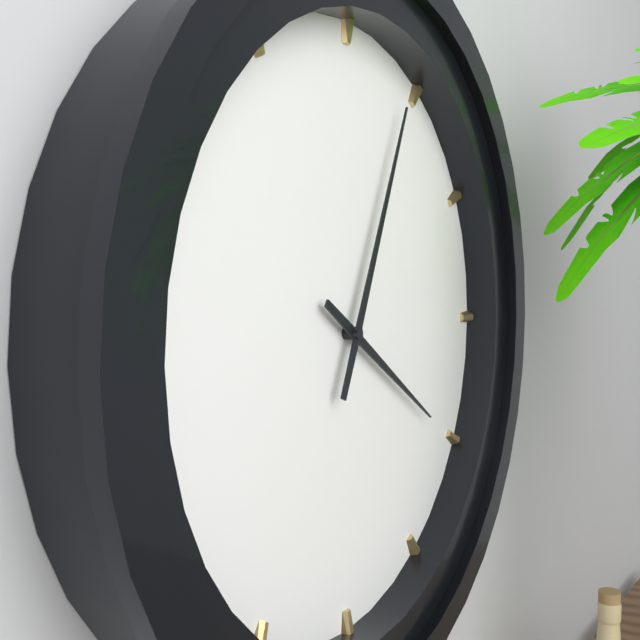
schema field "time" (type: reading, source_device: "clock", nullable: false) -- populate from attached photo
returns 4:04
